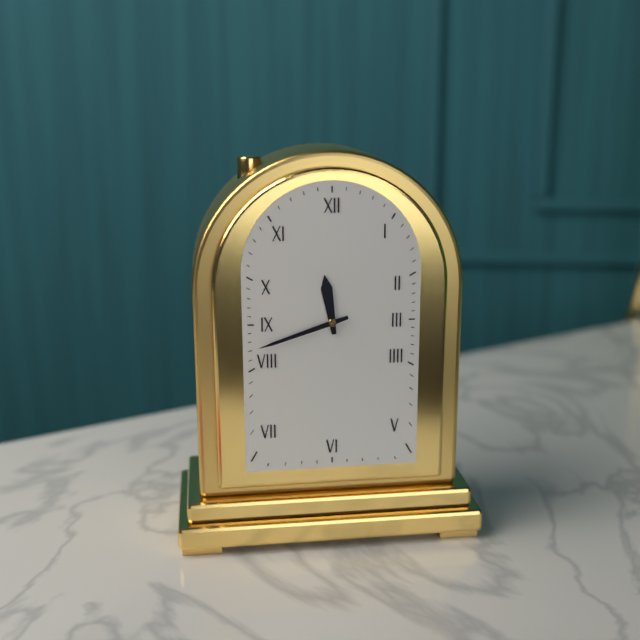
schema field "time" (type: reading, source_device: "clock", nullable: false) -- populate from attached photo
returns 11:42
